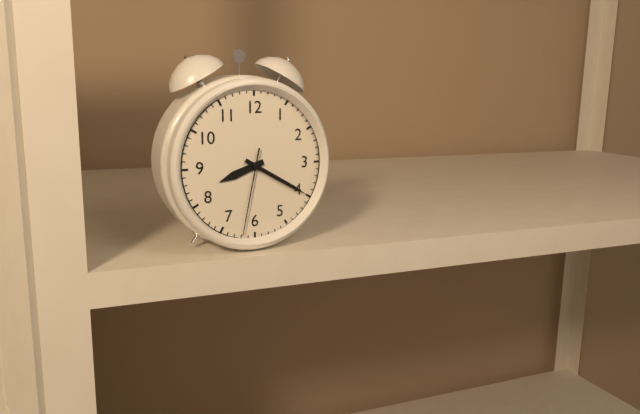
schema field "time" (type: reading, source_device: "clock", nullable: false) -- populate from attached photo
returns 8:20:32
